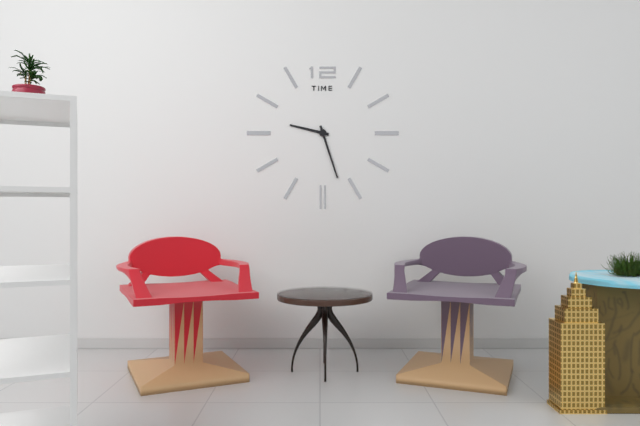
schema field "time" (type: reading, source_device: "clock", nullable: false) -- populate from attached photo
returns 9:27
